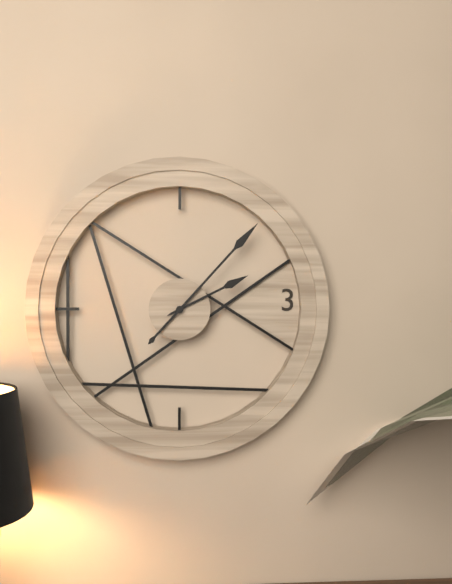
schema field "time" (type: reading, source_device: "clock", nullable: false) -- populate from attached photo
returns 2:07
